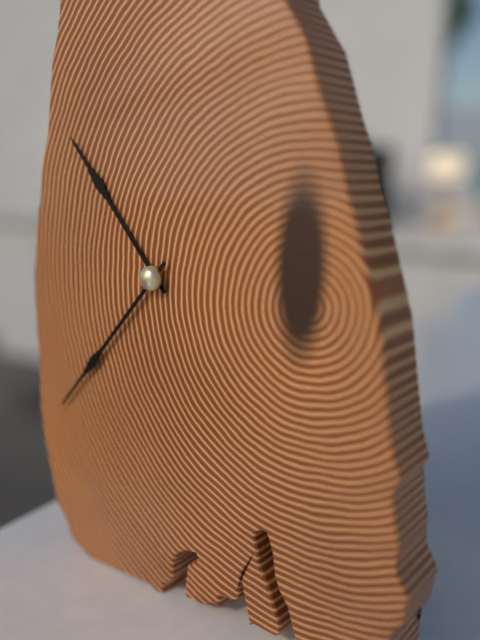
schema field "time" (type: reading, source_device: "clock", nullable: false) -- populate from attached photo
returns 10:37
